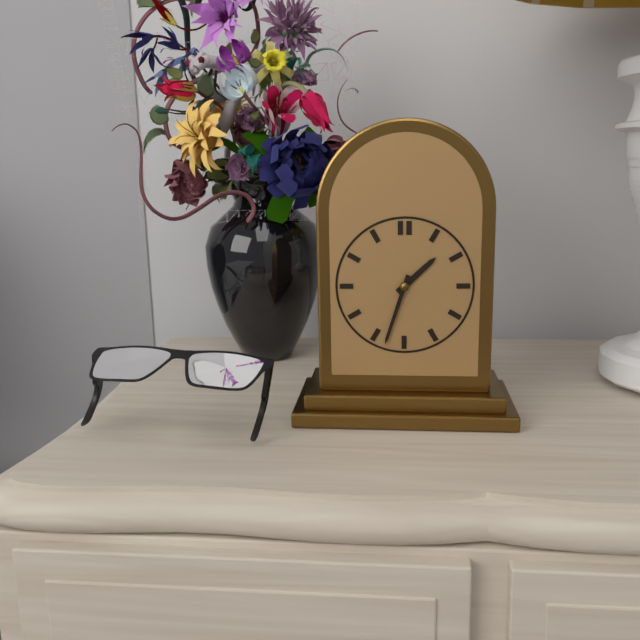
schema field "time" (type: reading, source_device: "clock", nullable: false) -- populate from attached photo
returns 1:33
